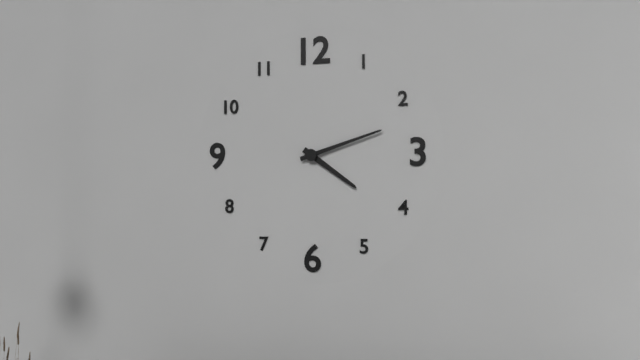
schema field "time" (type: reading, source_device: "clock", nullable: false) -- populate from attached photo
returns 4:12
